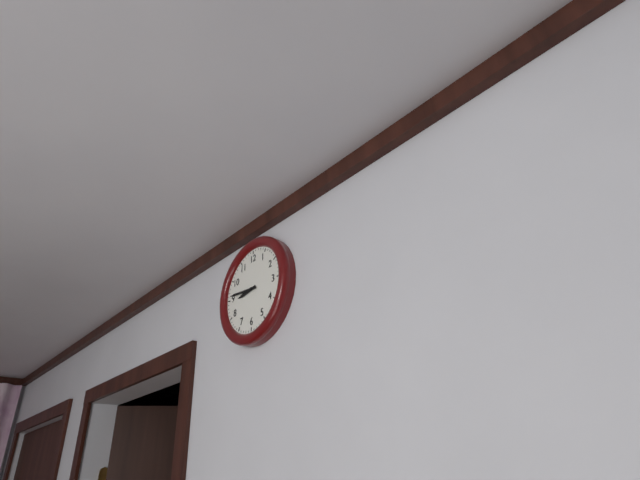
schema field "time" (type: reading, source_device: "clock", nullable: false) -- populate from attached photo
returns 8:46
